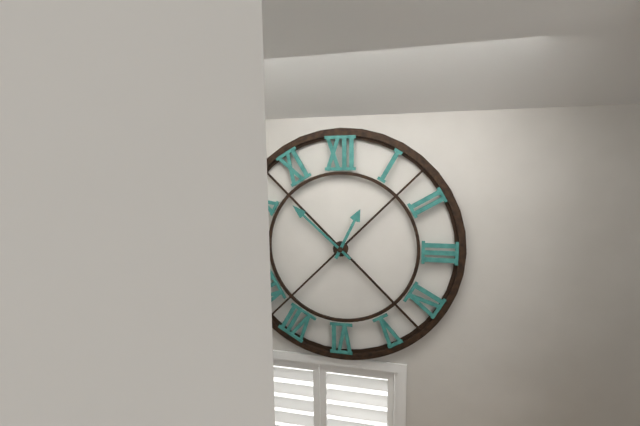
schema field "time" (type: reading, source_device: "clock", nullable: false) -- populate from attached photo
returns 12:52
